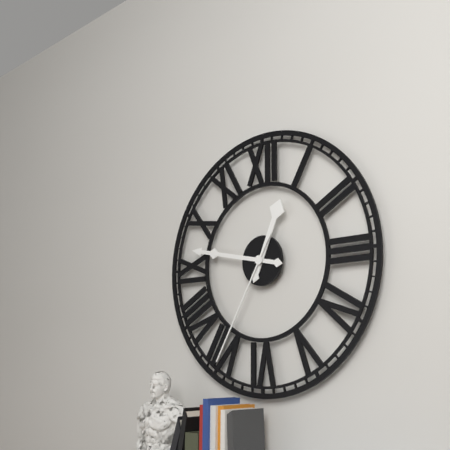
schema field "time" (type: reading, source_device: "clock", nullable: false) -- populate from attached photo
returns 12:47:35
